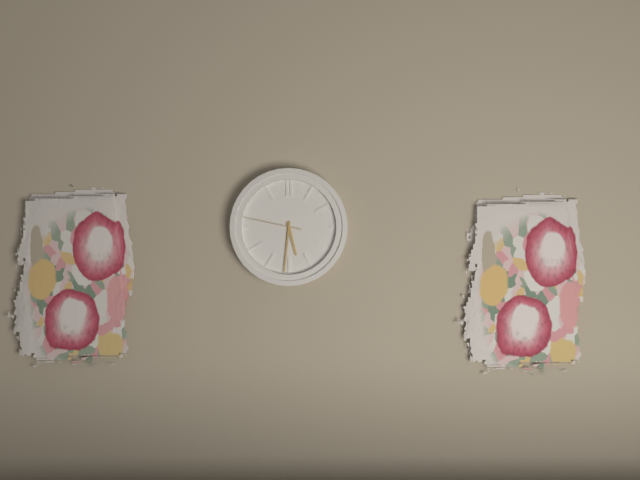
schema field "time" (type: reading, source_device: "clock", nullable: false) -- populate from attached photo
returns 5:31:47
